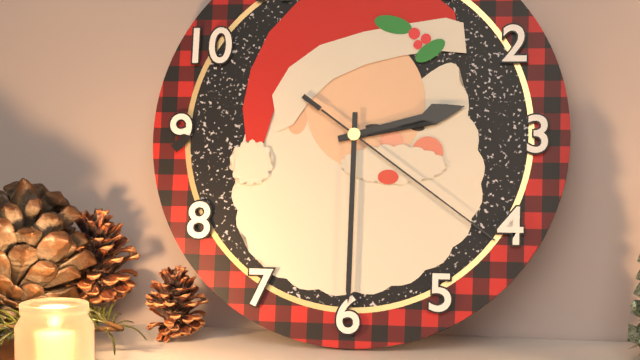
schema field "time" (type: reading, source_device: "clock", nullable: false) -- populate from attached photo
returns 2:30:21
